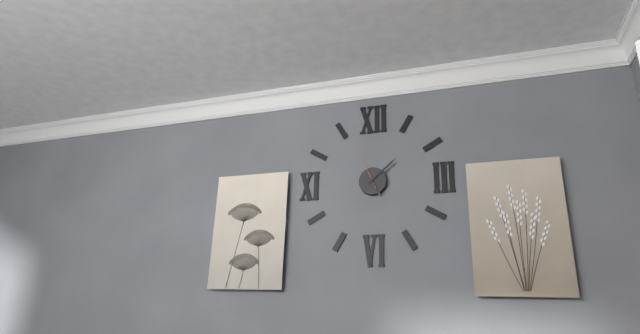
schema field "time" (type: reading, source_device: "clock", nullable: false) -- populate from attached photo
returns 5:08
